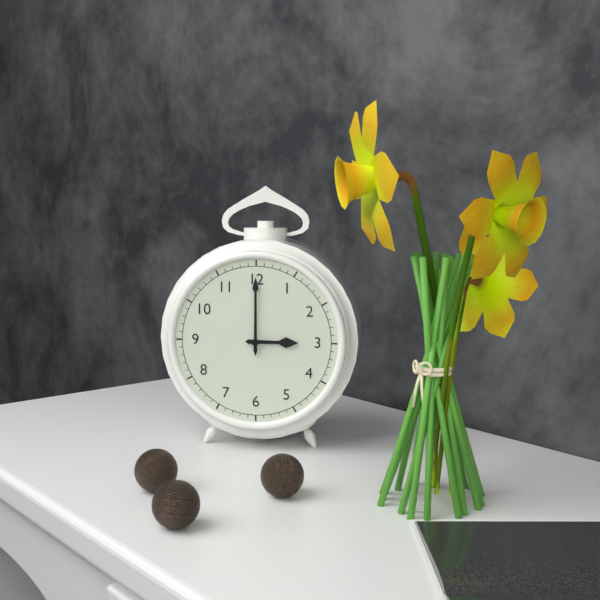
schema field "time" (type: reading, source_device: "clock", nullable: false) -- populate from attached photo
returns 3:00
